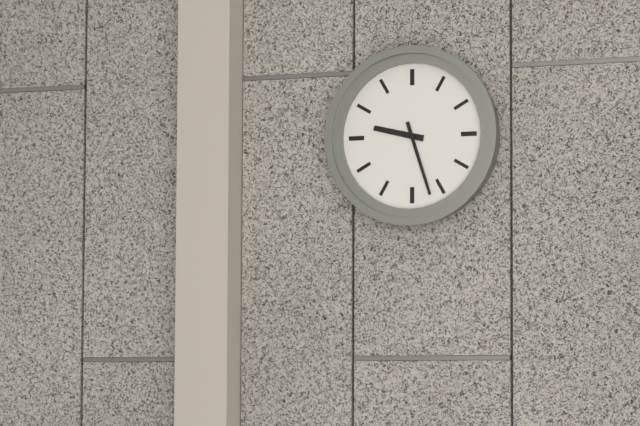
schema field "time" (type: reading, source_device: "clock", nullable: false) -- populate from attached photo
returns 9:27
